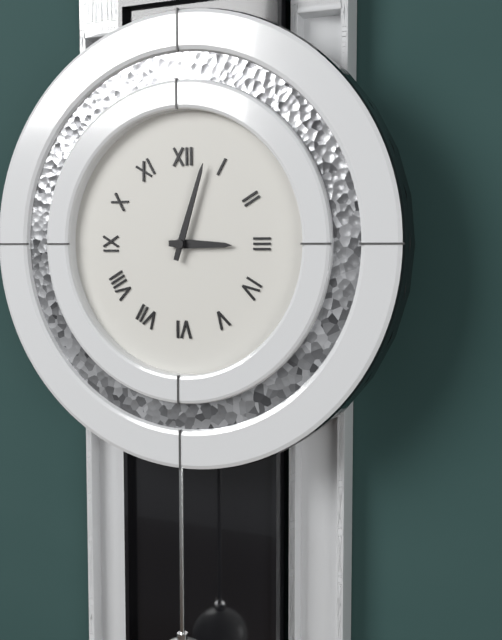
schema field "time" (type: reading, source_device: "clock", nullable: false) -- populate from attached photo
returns 3:03
